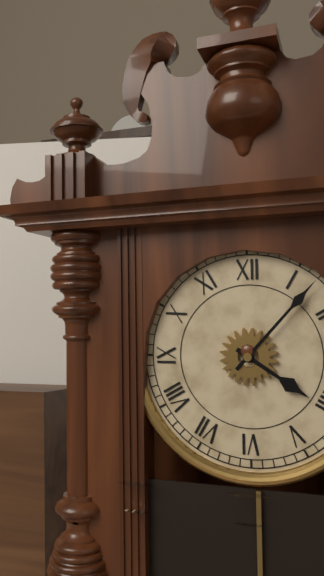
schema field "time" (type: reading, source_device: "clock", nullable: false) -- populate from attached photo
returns 4:07
